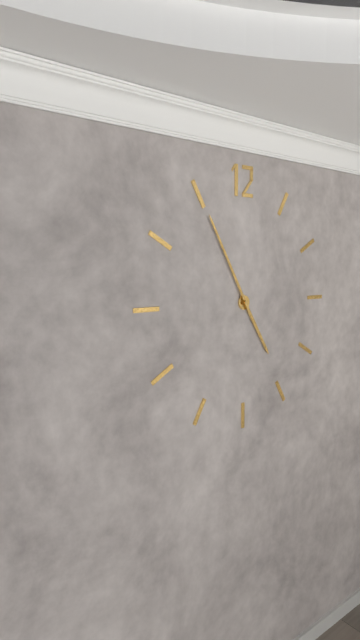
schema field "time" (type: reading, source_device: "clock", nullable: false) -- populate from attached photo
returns 4:55
